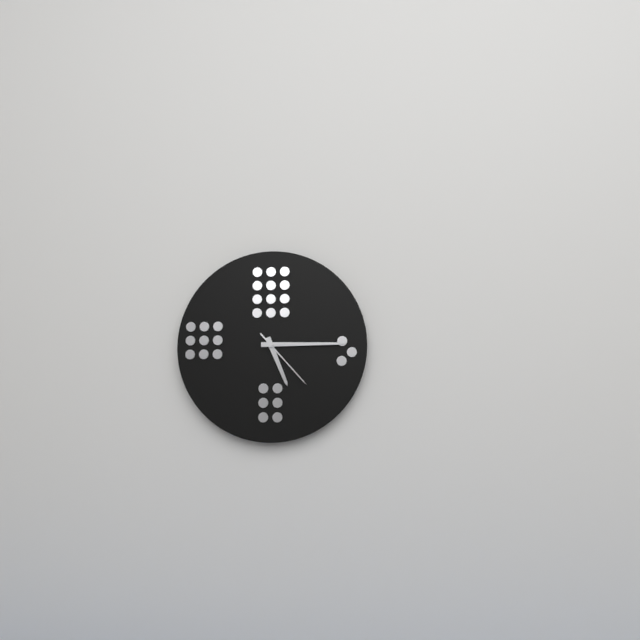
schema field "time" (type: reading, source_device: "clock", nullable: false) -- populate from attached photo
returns 5:15:23
